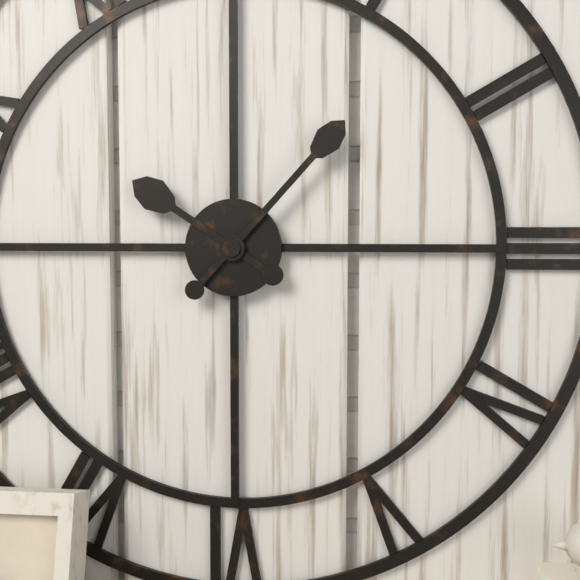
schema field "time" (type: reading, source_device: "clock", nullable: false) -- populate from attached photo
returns 10:07
